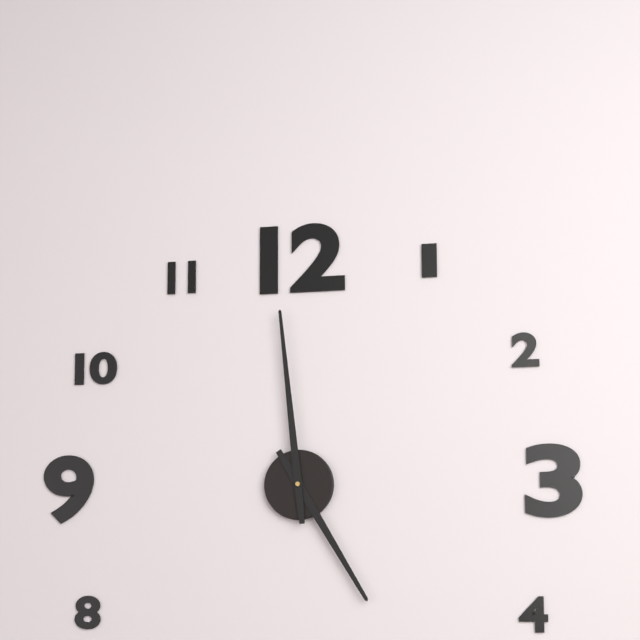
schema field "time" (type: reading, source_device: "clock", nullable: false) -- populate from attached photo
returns 4:59
